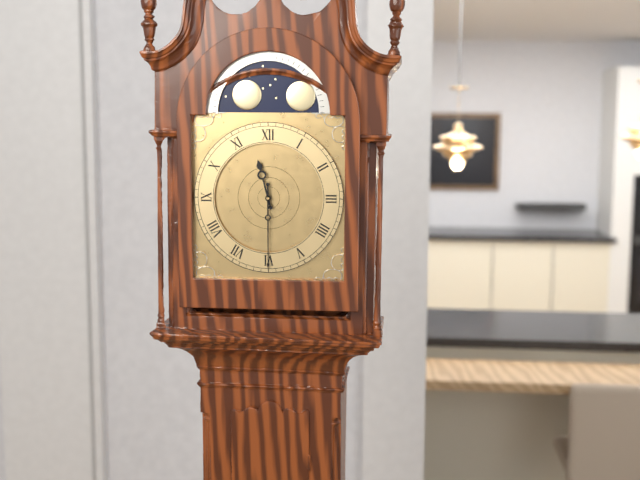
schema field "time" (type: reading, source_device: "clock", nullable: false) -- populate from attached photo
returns 11:30
